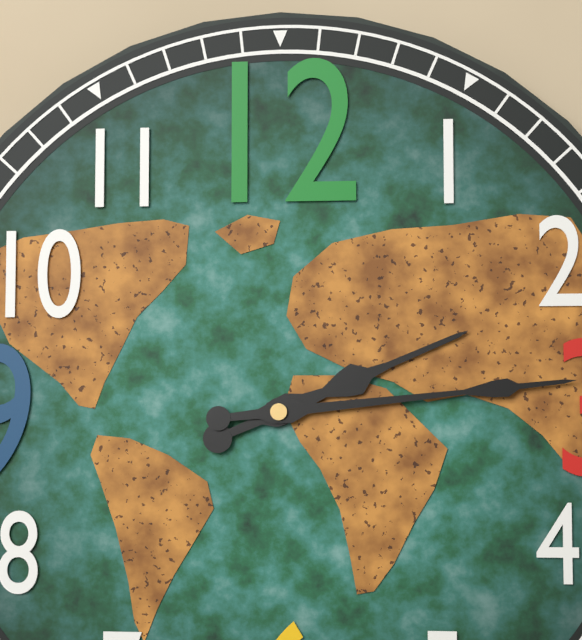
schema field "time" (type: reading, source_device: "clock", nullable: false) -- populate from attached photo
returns 2:14
